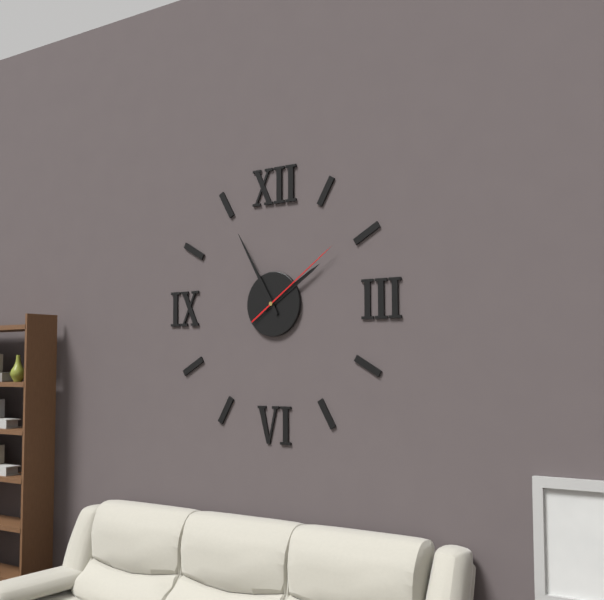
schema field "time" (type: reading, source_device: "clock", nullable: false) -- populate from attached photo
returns 1:55:09
